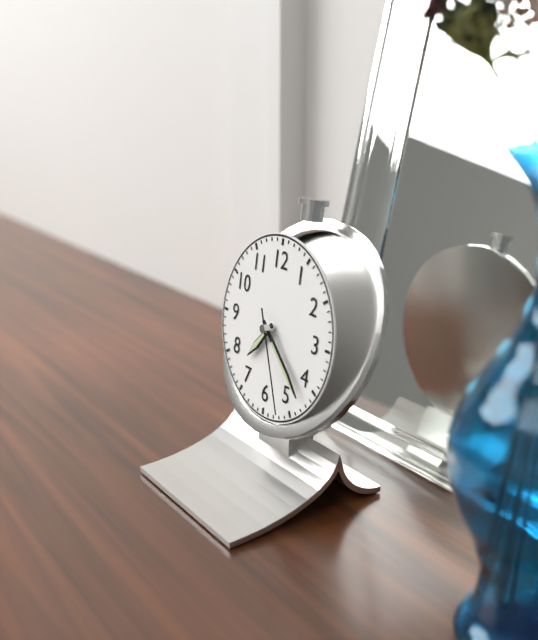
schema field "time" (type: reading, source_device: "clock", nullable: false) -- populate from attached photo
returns 7:22:26
